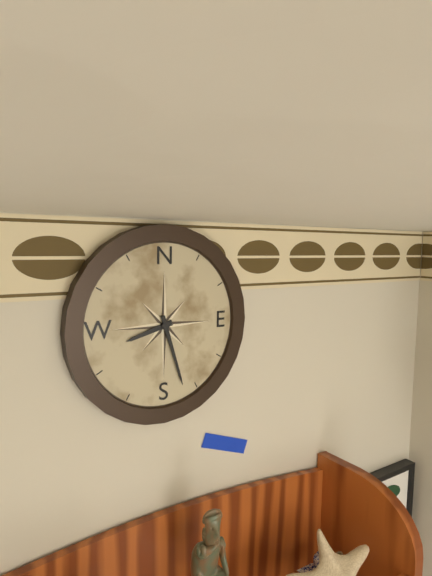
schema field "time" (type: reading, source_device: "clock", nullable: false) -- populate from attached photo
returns 8:27
